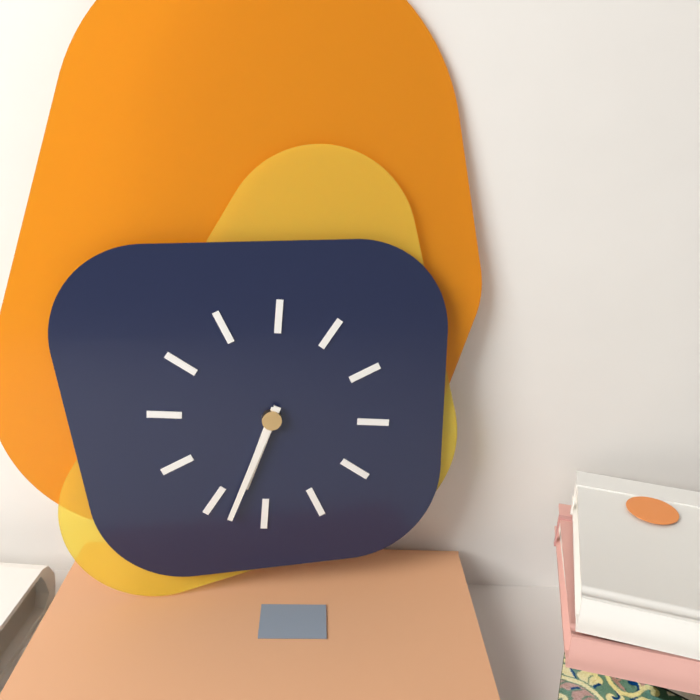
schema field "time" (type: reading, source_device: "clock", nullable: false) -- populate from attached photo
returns 6:33
